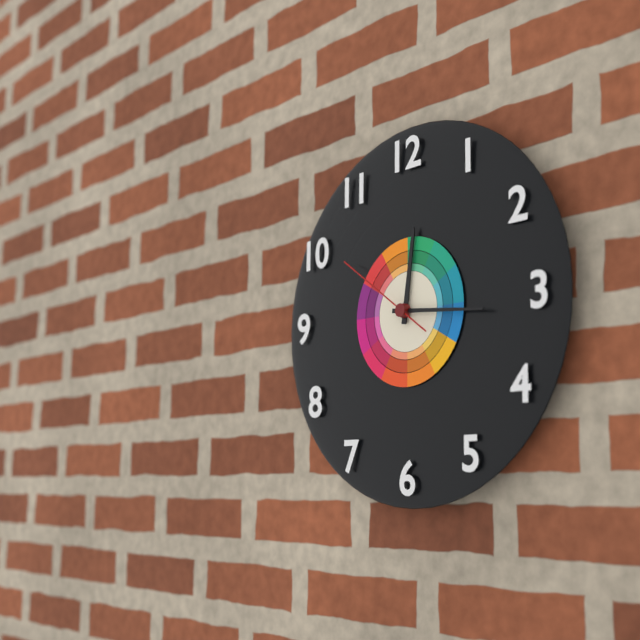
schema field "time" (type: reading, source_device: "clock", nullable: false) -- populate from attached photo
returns 12:16:51
